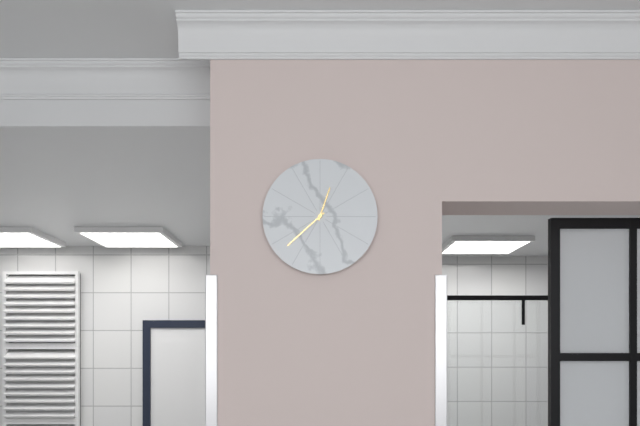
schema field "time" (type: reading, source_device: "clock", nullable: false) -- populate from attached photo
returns 12:38
